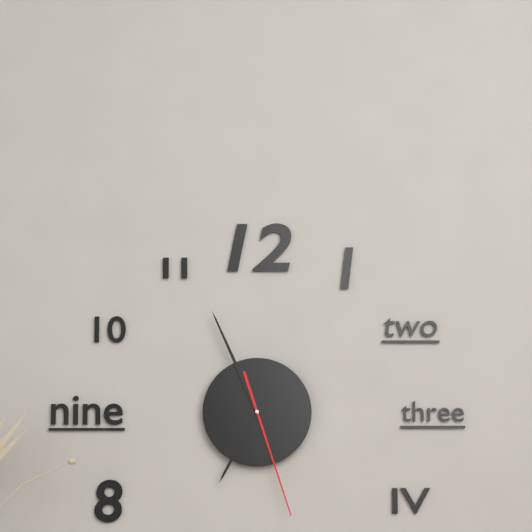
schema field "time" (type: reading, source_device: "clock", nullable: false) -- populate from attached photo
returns 6:56:27
